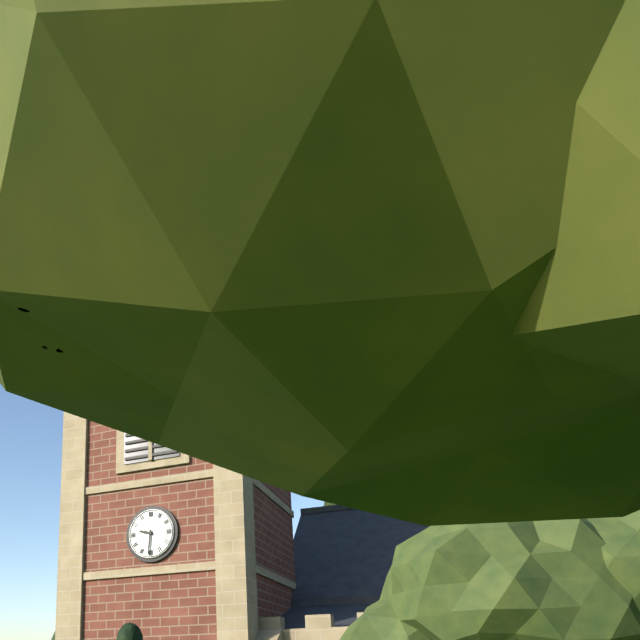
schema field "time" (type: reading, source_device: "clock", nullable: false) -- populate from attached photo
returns 9:31
